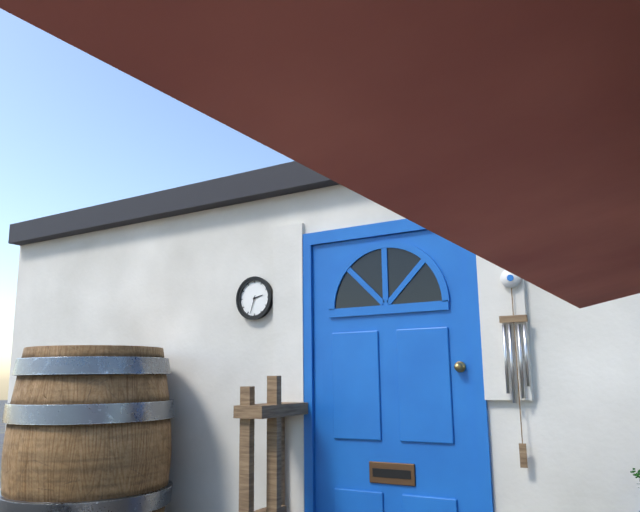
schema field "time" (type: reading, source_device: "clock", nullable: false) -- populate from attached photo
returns 2:33
